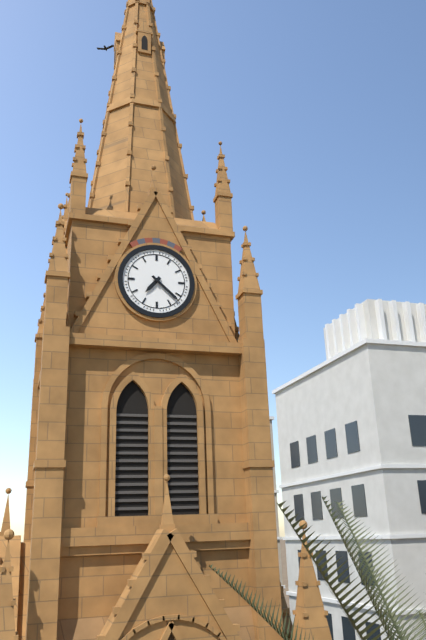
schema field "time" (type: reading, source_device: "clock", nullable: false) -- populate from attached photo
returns 7:22
